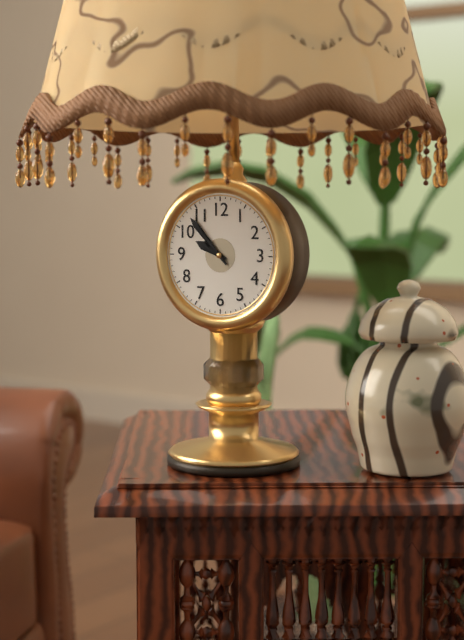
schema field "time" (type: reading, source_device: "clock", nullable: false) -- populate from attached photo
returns 9:53
